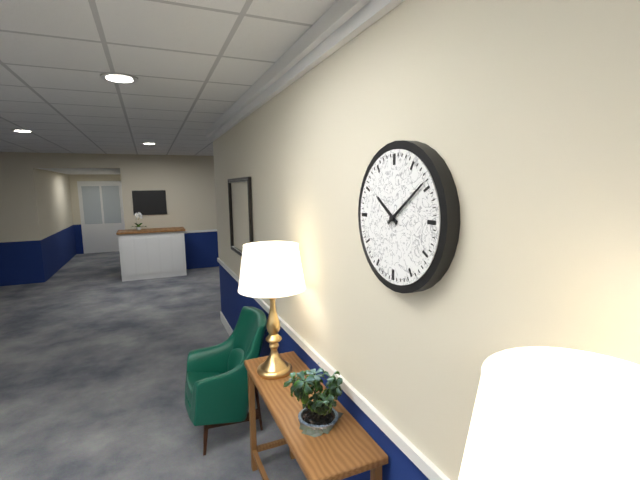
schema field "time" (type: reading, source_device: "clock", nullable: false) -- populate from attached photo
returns 10:09
